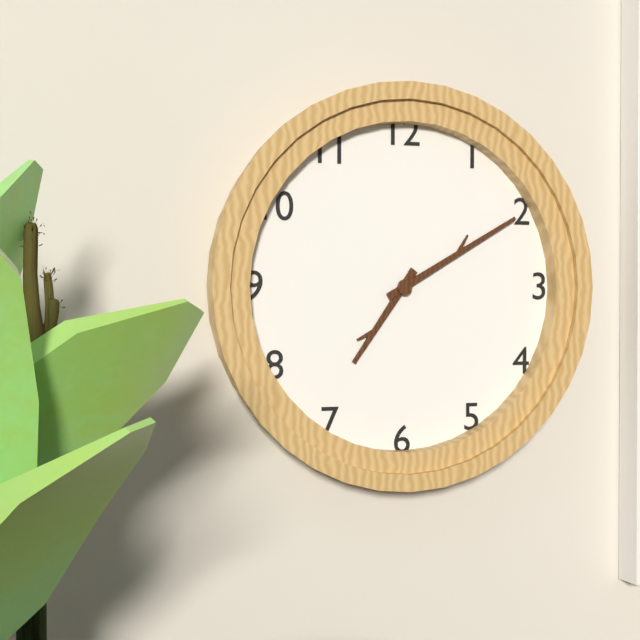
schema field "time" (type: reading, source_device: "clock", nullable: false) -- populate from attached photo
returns 7:10
